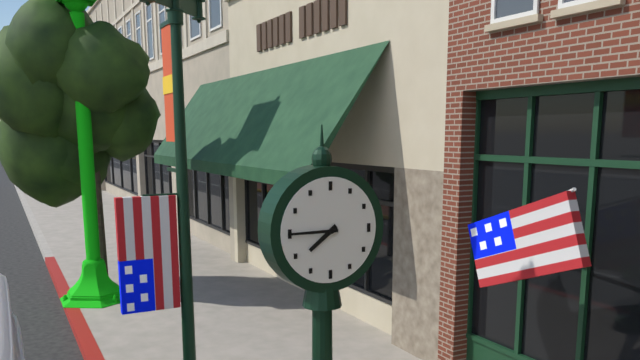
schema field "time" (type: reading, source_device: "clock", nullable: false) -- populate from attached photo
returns 7:45
